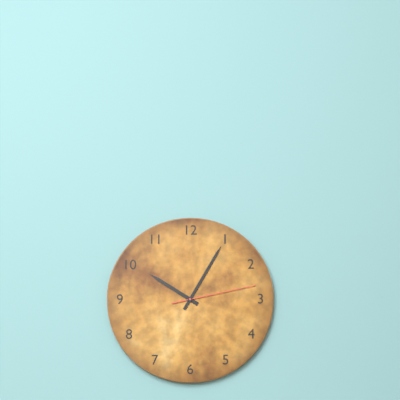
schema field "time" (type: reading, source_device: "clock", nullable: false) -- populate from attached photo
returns 10:05:13
